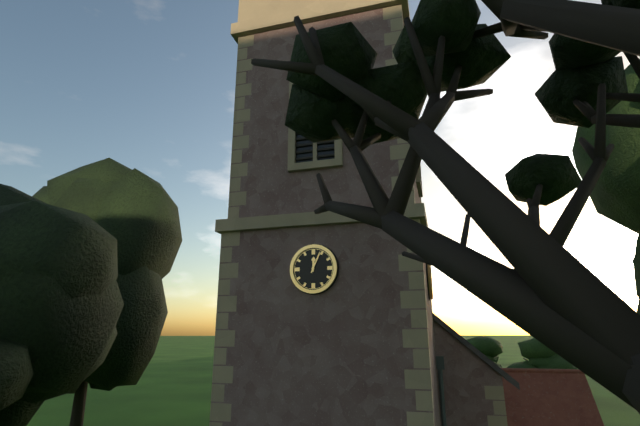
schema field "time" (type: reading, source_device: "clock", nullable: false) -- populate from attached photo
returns 12:04
